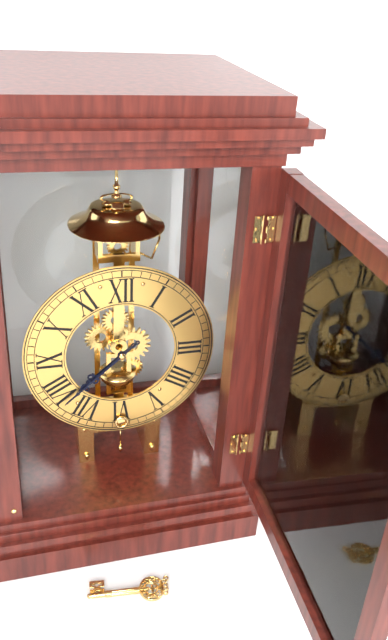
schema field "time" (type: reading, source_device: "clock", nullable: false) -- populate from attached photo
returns 7:38
